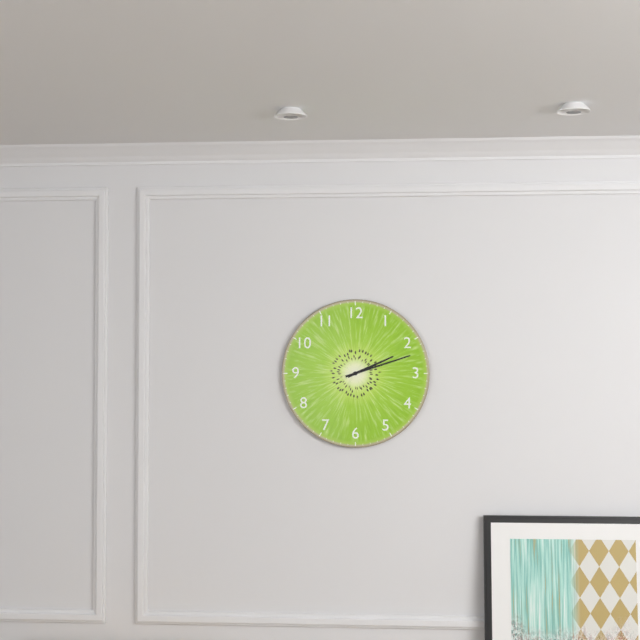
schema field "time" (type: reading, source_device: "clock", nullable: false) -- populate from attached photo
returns 2:12
